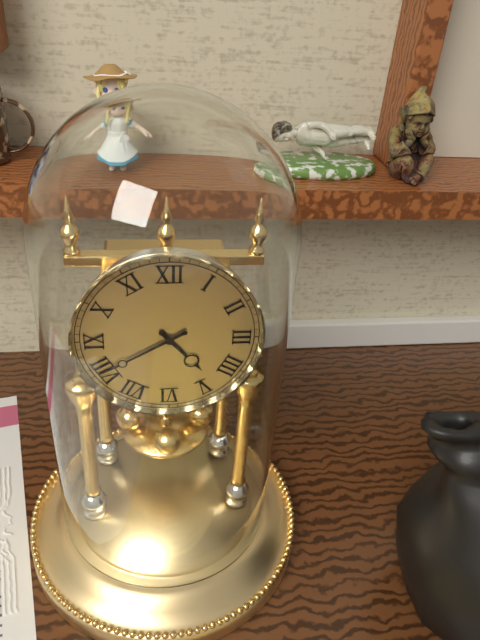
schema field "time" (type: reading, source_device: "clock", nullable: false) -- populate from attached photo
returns 4:40
